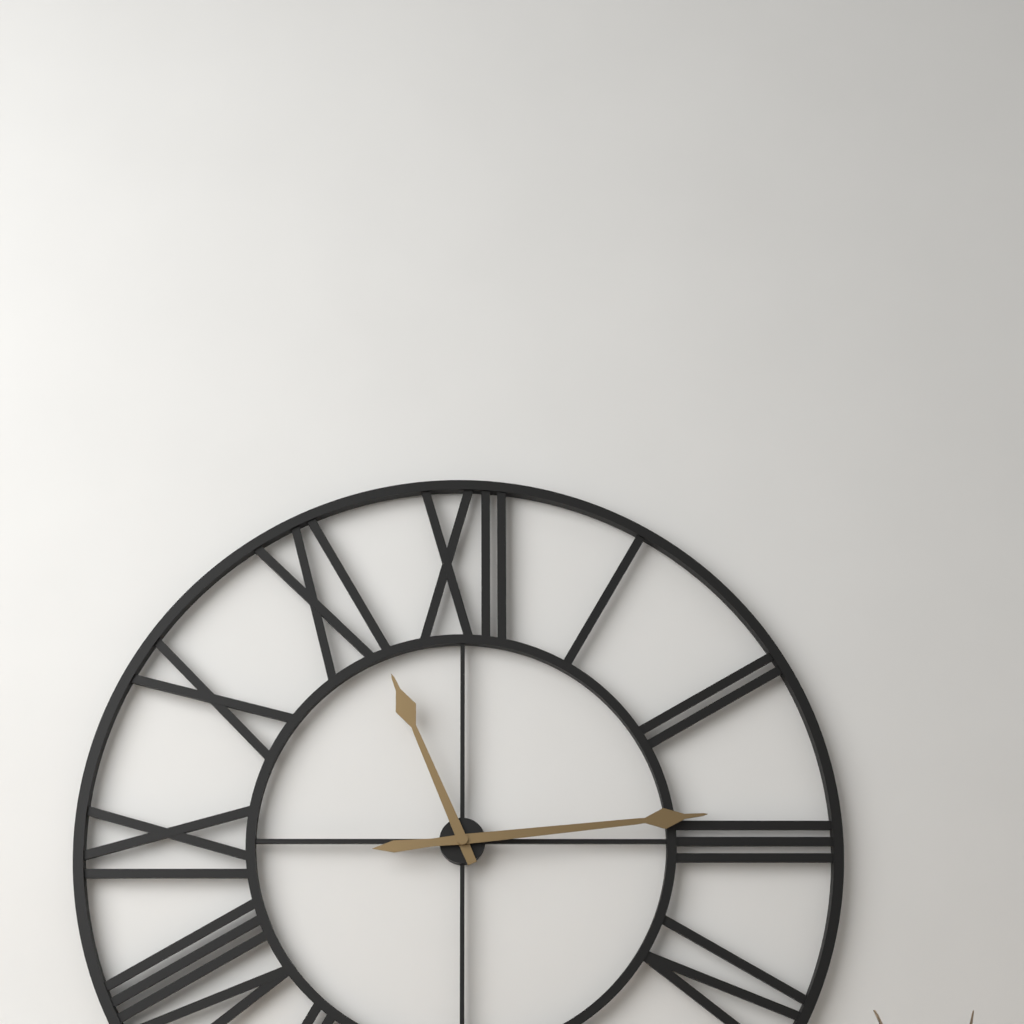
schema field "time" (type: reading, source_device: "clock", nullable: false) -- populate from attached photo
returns 11:14
